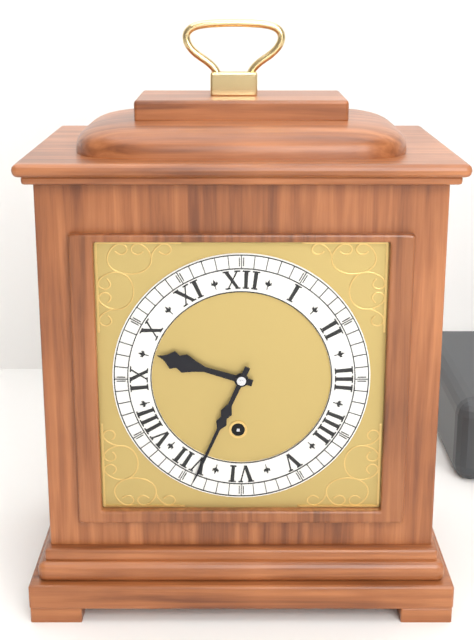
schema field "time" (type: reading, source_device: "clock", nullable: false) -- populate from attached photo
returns 9:34
